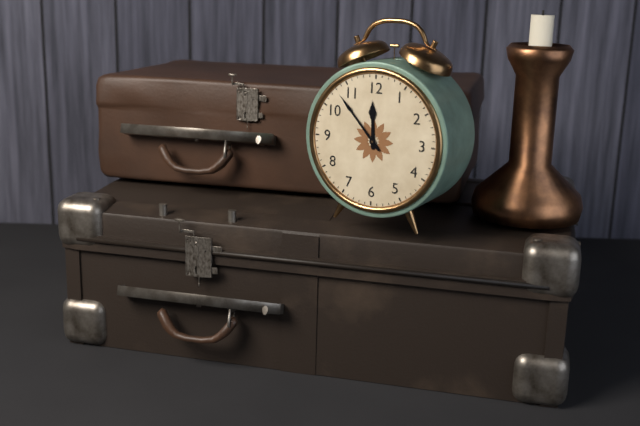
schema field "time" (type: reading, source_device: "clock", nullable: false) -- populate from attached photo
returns 11:53
